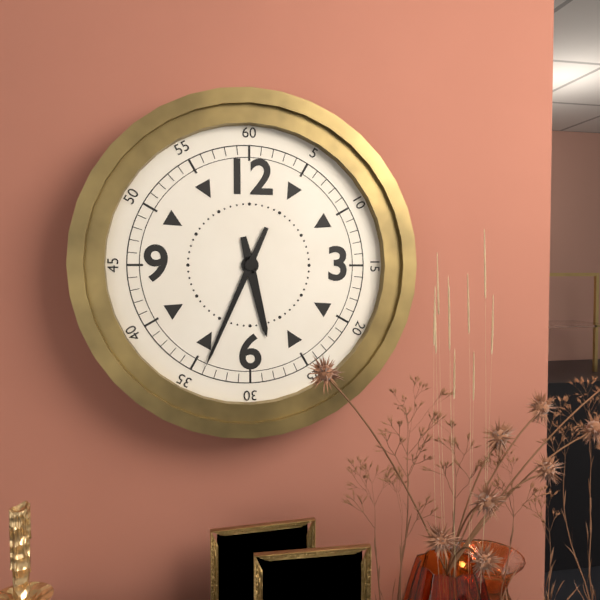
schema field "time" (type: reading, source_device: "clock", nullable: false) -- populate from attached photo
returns 5:34
